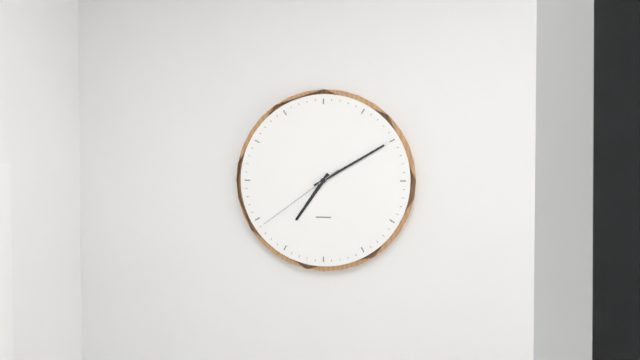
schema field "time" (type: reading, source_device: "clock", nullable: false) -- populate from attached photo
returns 7:10:39
